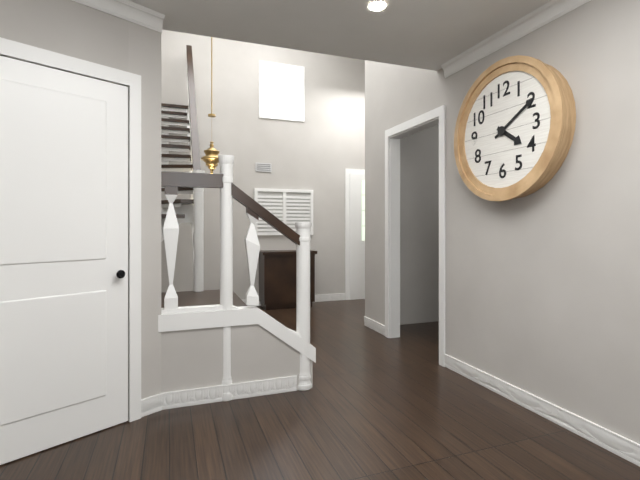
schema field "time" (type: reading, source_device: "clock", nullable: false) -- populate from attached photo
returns 4:10
